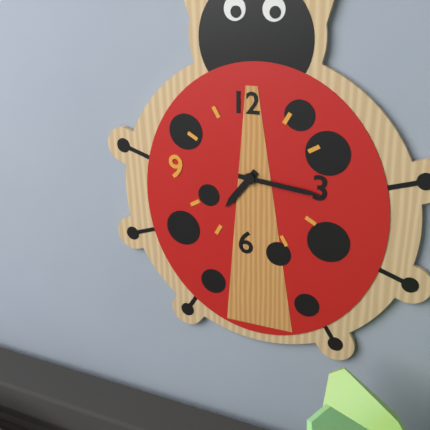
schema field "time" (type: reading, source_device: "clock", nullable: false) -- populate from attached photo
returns 7:16
